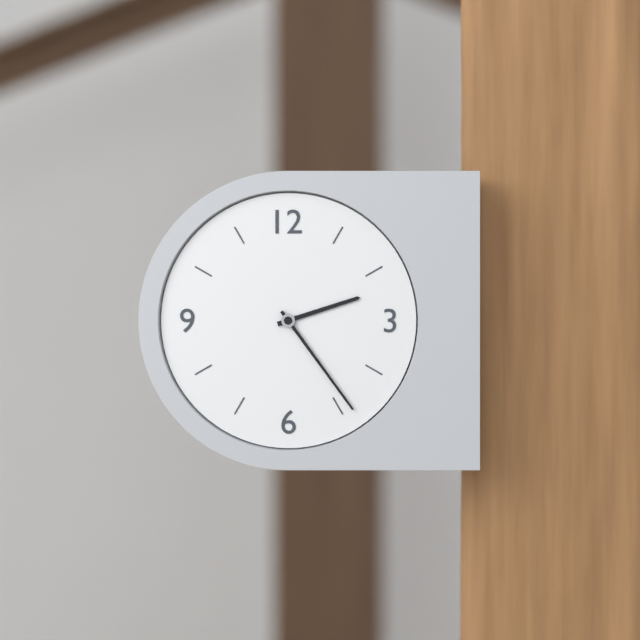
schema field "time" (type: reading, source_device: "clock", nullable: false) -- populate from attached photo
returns 2:24
